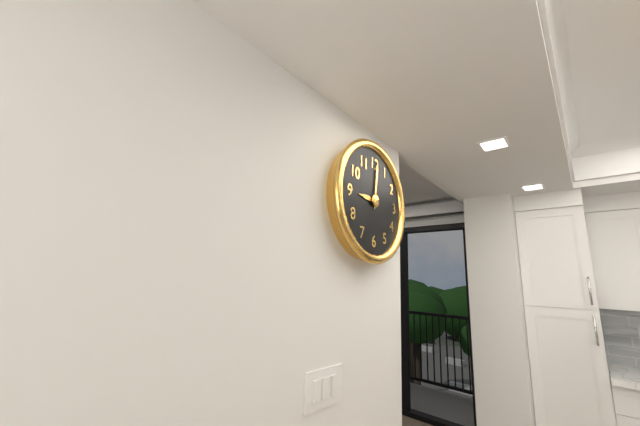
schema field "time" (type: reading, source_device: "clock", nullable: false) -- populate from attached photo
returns 9:01
